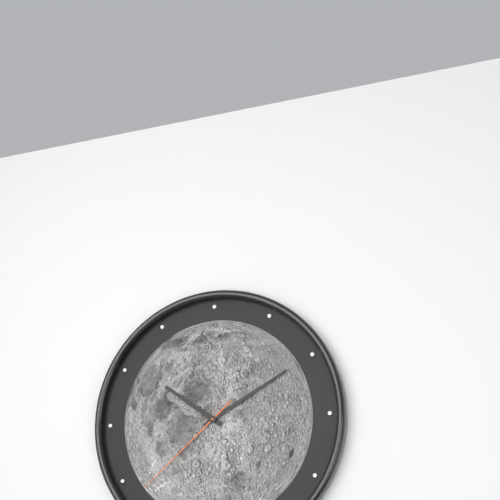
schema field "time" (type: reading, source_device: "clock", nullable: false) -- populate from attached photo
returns 10:10:38
